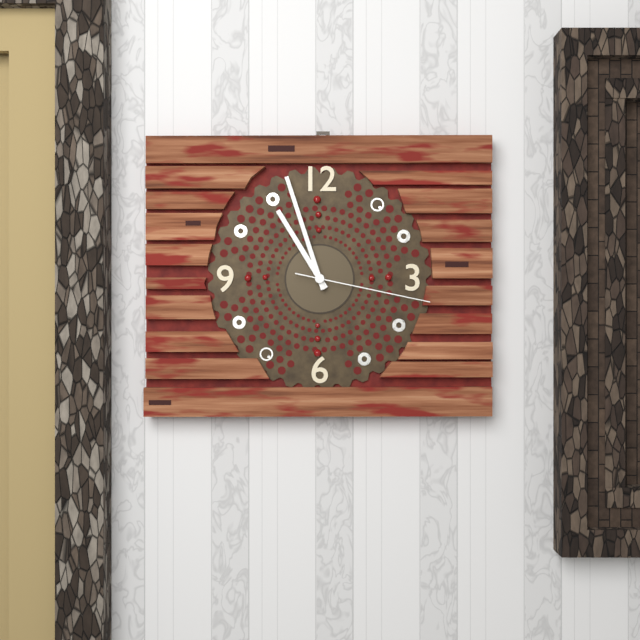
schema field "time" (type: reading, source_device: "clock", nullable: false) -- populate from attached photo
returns 10:57:17
